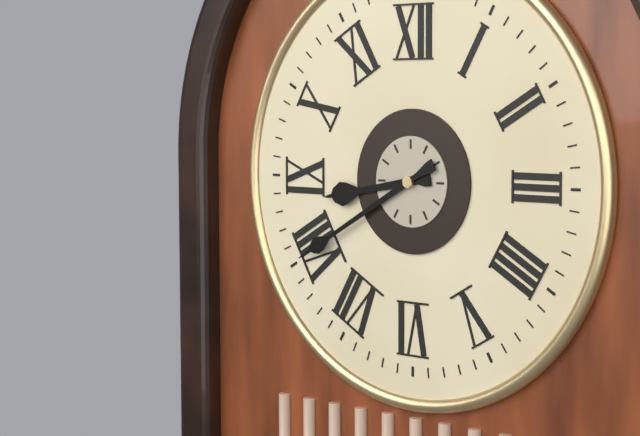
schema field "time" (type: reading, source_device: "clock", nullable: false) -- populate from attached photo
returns 8:40
